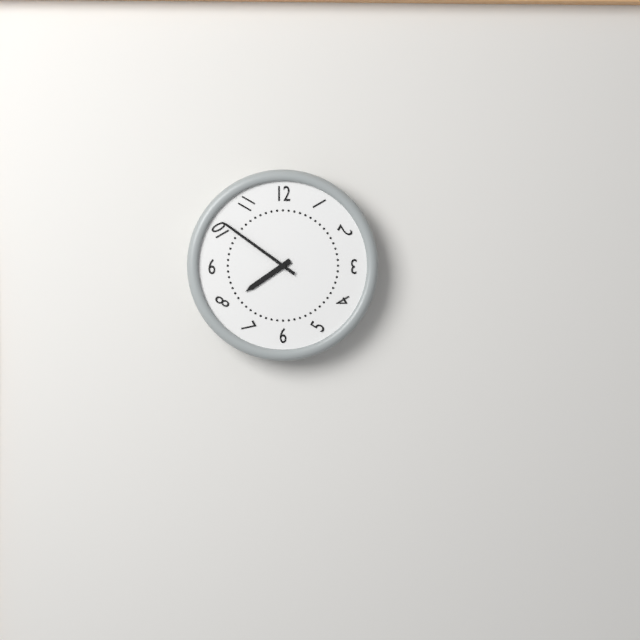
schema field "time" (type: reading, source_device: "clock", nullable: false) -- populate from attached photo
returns 7:51
